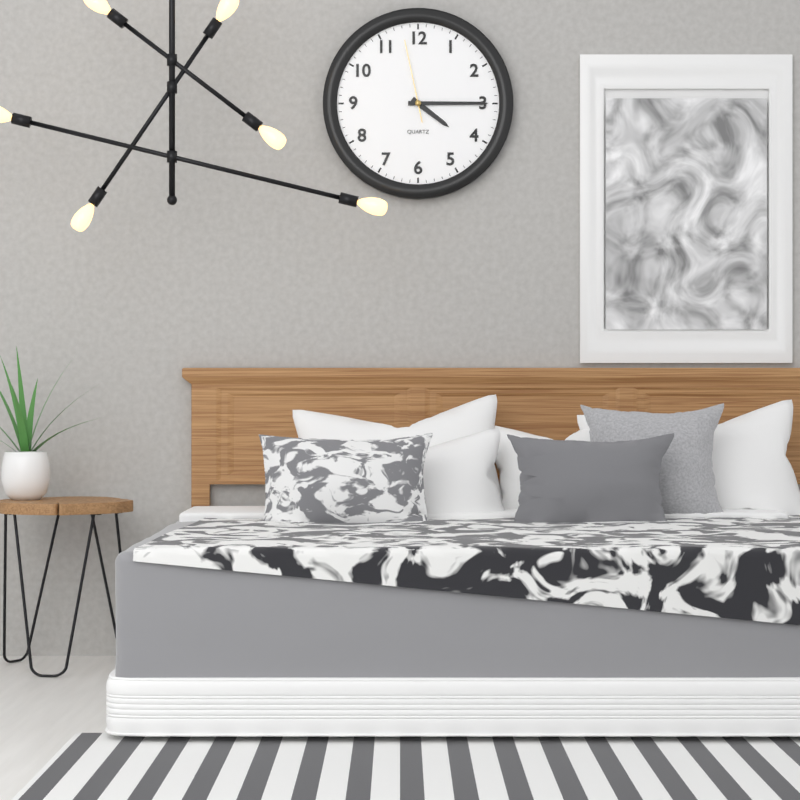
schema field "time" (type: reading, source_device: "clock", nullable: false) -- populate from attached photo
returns 4:15:58
